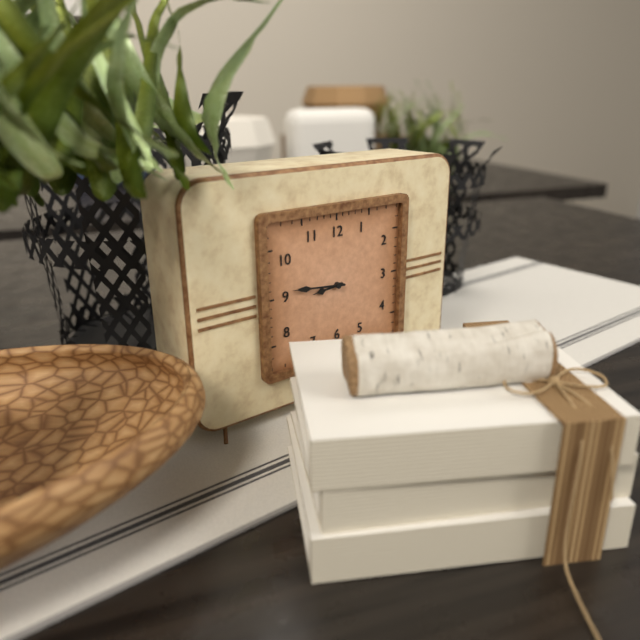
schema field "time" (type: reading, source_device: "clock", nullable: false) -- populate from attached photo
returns 8:46
